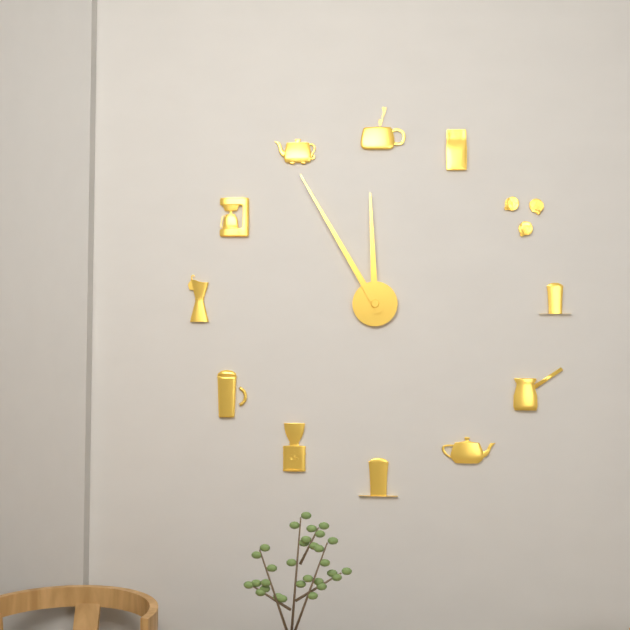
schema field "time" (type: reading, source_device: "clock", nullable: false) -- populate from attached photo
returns 11:55
